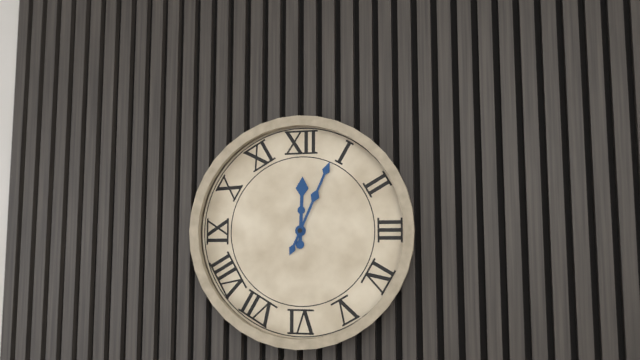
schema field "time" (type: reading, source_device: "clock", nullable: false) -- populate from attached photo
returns 12:04
